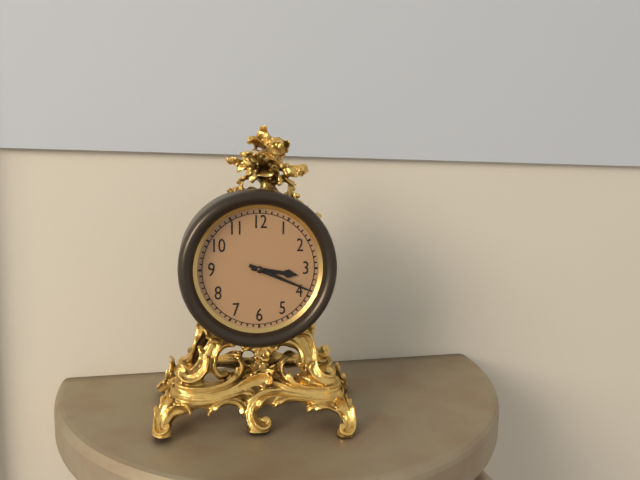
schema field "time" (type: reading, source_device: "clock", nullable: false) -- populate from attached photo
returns 3:19
